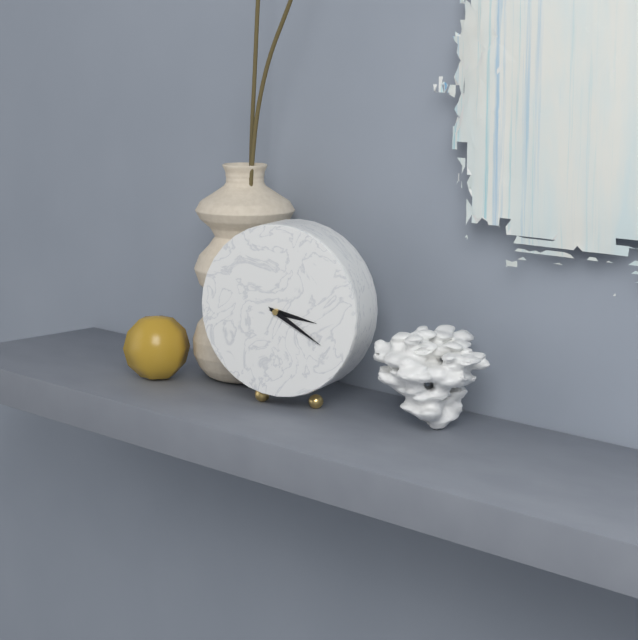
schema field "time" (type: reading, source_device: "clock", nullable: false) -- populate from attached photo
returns 3:20
